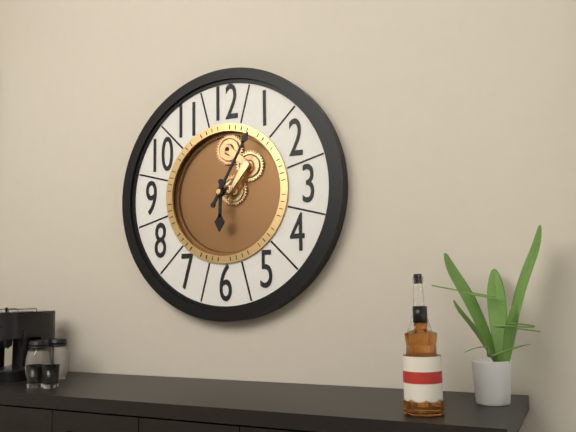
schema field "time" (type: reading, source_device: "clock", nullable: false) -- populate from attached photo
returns 6:05
